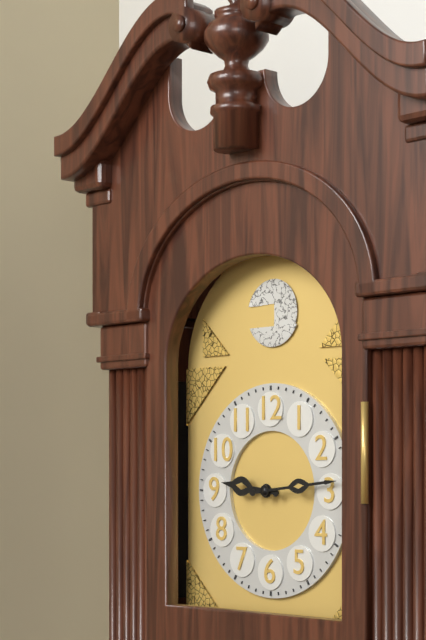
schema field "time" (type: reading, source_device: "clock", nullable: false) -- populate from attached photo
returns 9:14
